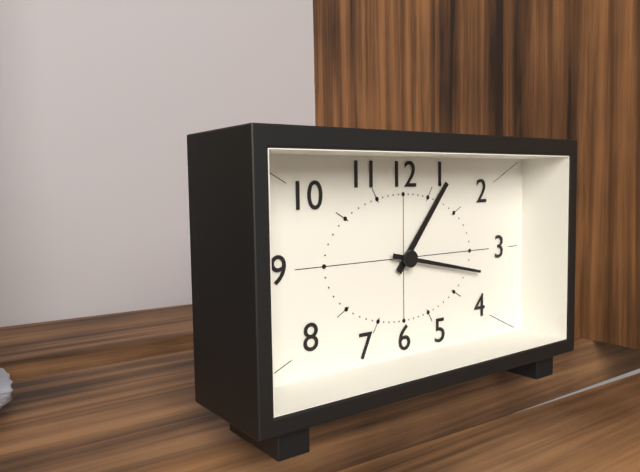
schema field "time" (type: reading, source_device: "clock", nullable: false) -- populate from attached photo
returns 1:17
